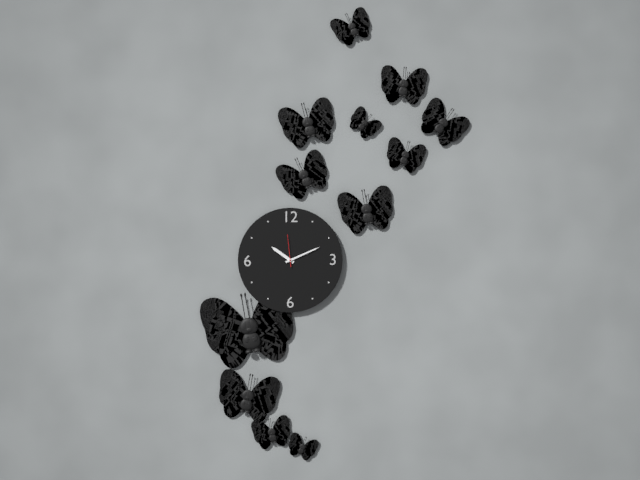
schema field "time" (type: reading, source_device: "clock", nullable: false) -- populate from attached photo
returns 10:11
